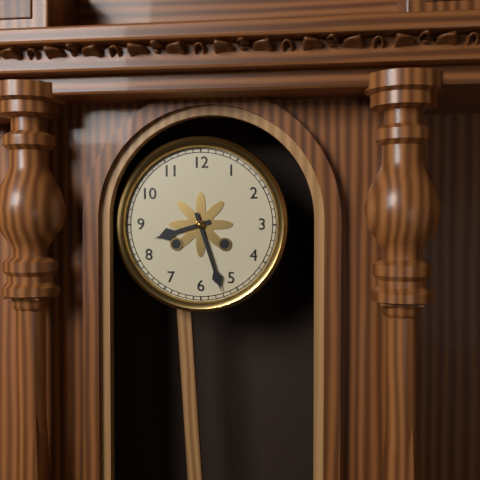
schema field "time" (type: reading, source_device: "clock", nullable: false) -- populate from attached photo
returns 8:27
